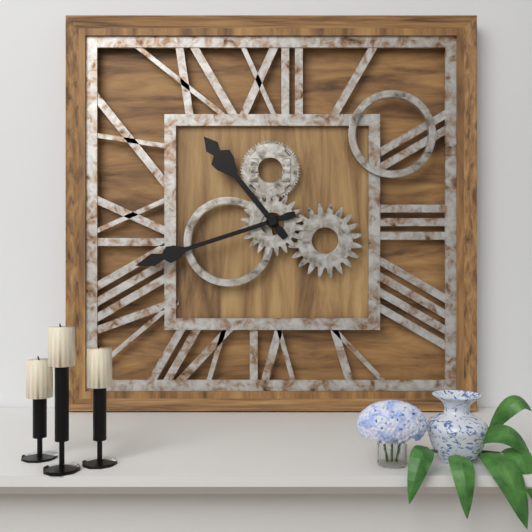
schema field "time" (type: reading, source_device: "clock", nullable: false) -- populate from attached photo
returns 10:42
